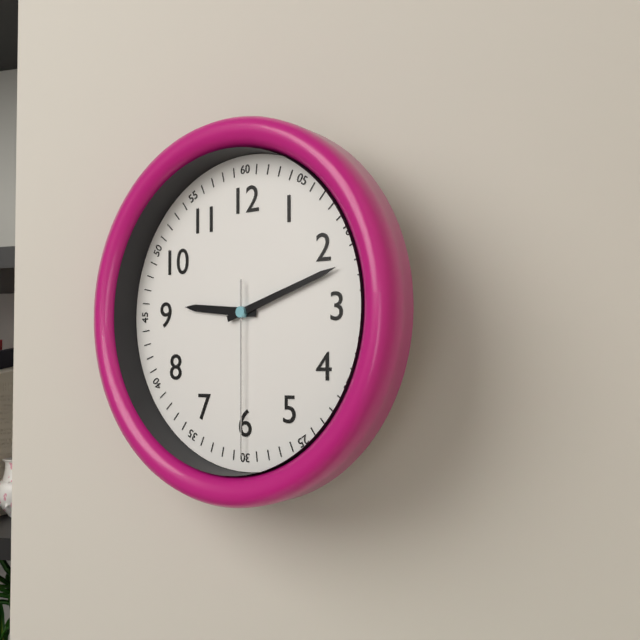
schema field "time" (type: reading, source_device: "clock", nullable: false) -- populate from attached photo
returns 9:12:30
